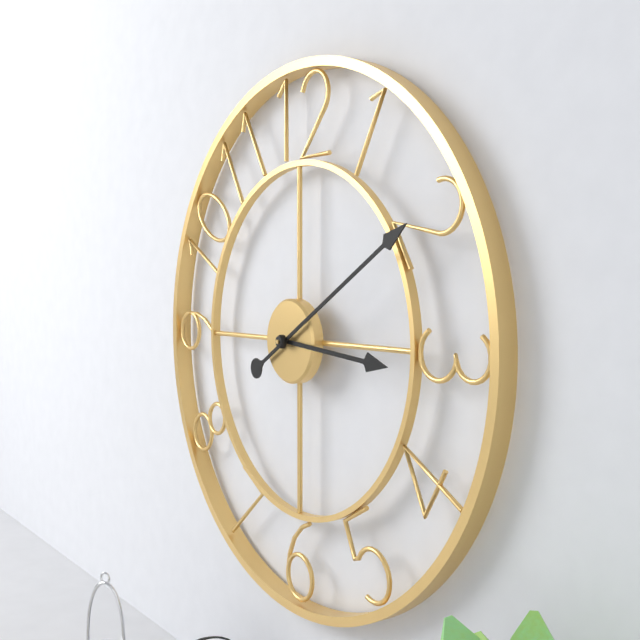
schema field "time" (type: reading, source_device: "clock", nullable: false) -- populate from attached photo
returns 3:10
